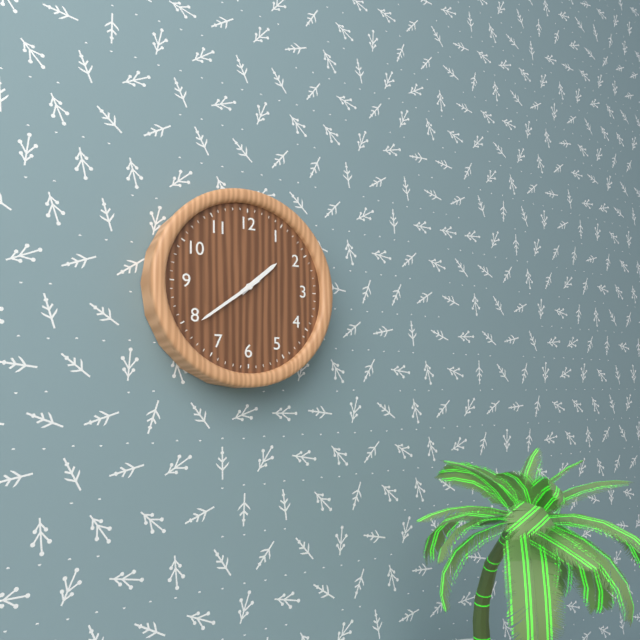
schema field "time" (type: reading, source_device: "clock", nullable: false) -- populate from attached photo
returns 1:39
